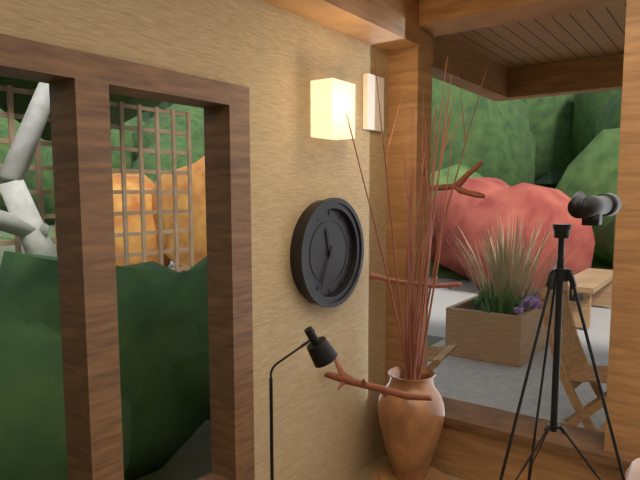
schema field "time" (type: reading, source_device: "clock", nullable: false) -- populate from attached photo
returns 11:34
